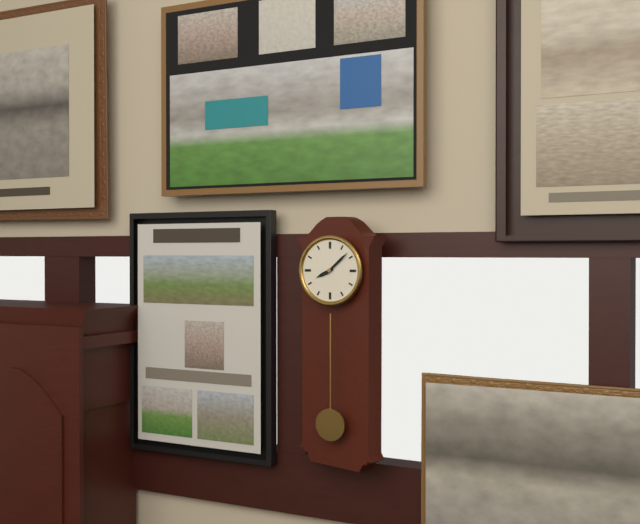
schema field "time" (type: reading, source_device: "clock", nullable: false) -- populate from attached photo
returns 8:08
